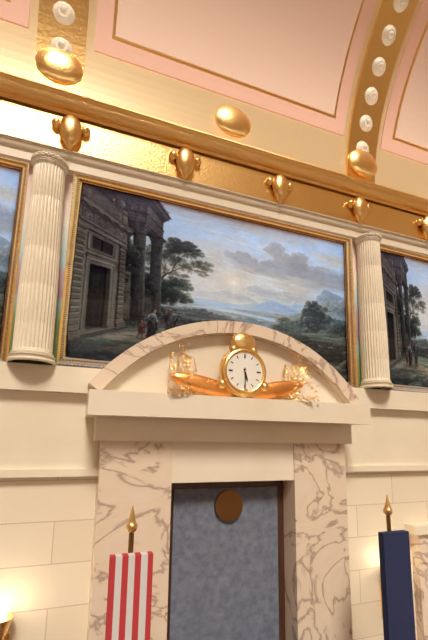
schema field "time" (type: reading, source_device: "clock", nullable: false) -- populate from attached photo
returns 5:30
